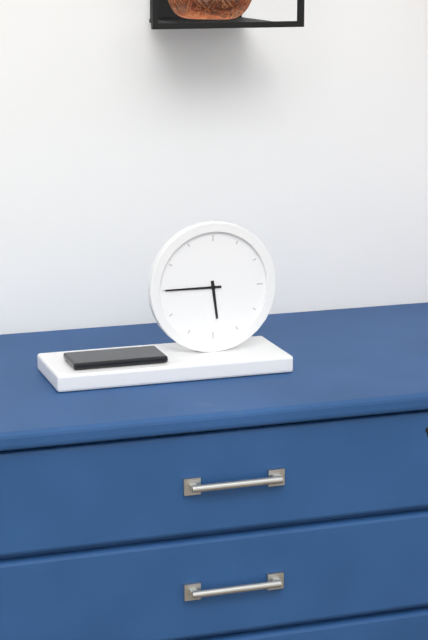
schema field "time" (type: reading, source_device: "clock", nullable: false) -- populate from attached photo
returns 5:45
